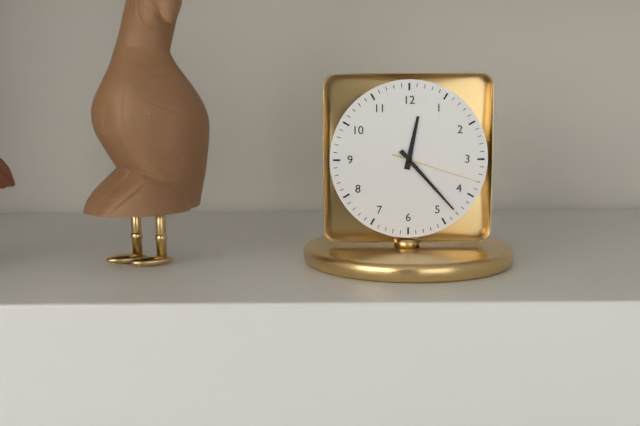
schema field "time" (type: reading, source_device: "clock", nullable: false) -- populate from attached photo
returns 12:23:18
